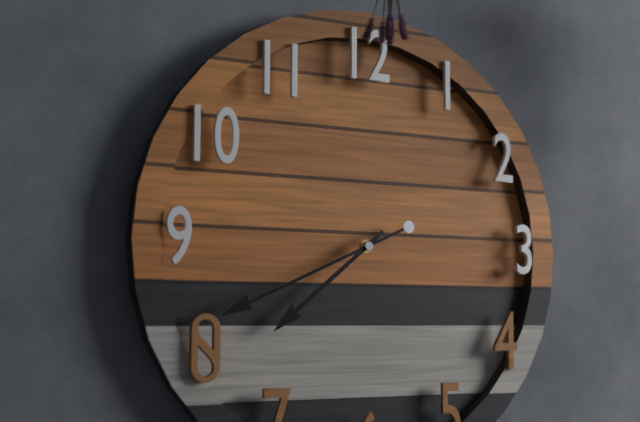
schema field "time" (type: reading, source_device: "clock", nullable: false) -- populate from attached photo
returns 7:41
